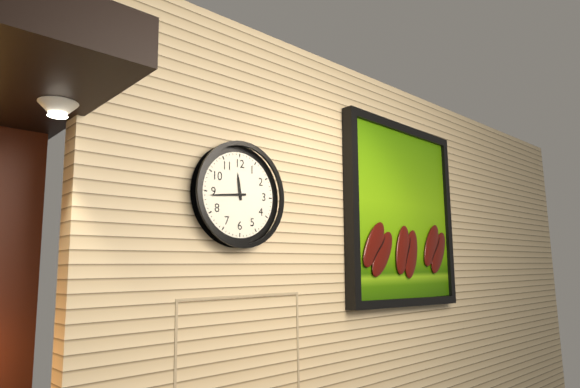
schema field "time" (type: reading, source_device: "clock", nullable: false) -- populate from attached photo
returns 11:44
